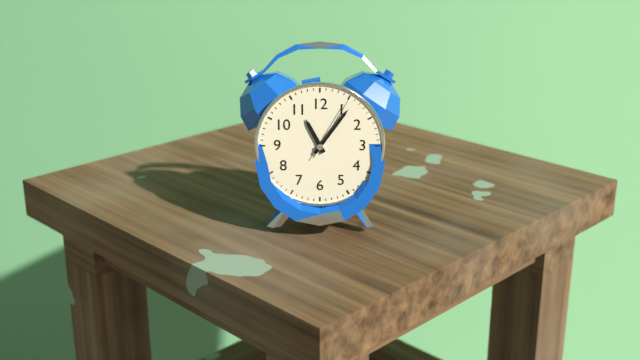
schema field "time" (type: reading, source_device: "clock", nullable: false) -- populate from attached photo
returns 11:06:05
